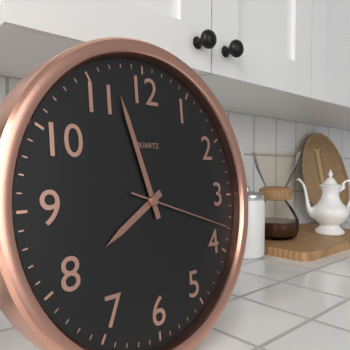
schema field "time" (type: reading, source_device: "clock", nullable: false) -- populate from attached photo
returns 7:57:18
